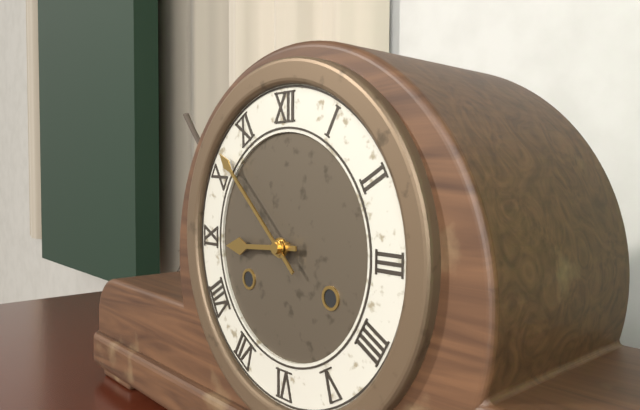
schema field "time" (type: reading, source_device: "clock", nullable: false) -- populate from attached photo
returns 8:52
